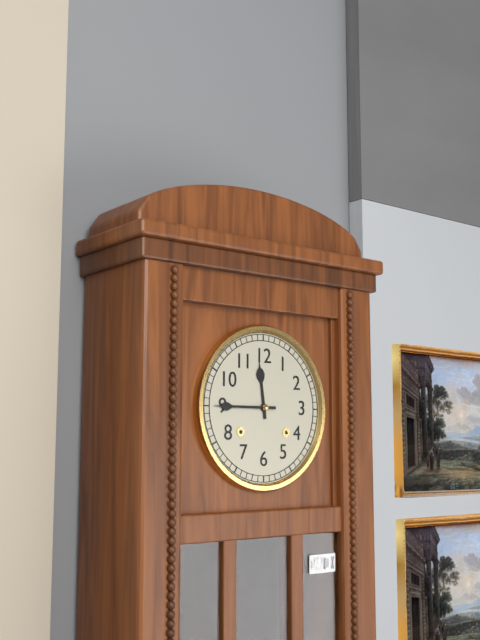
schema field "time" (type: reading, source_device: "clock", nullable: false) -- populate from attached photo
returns 11:45
